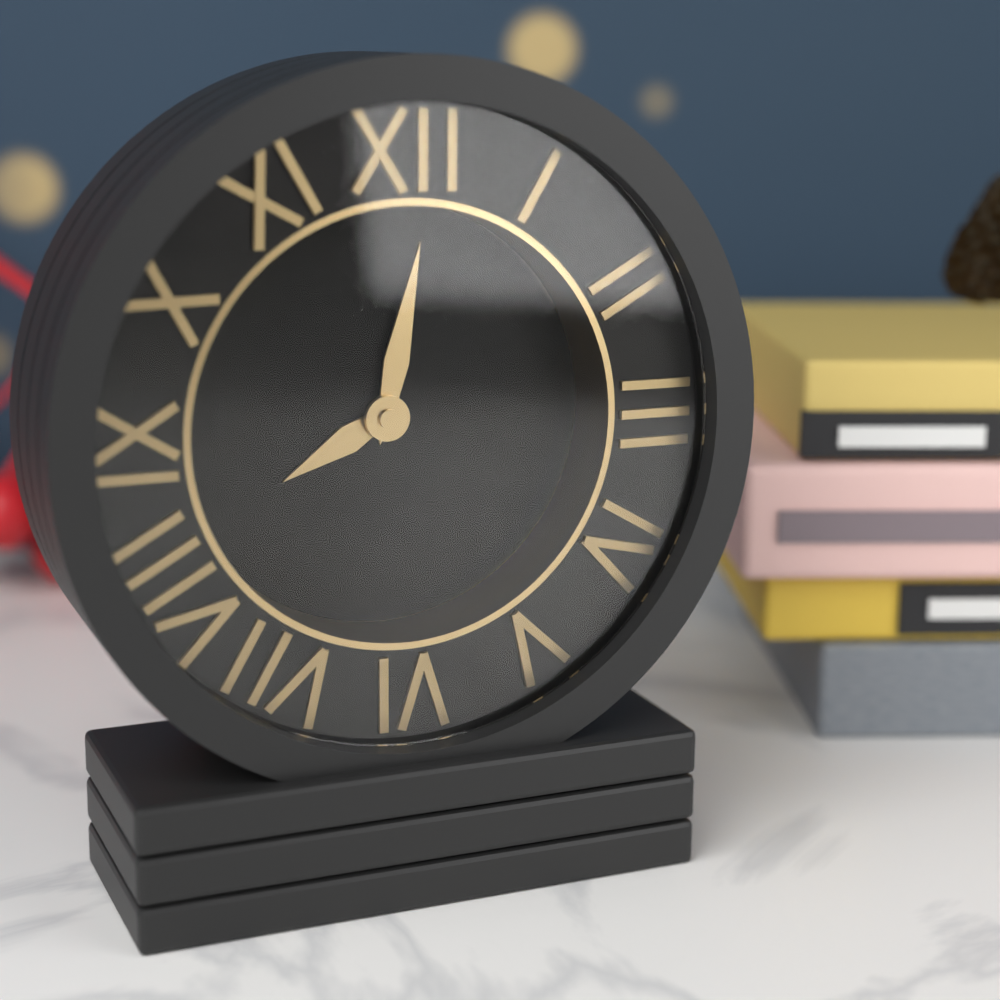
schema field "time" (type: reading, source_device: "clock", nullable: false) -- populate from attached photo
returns 8:02
